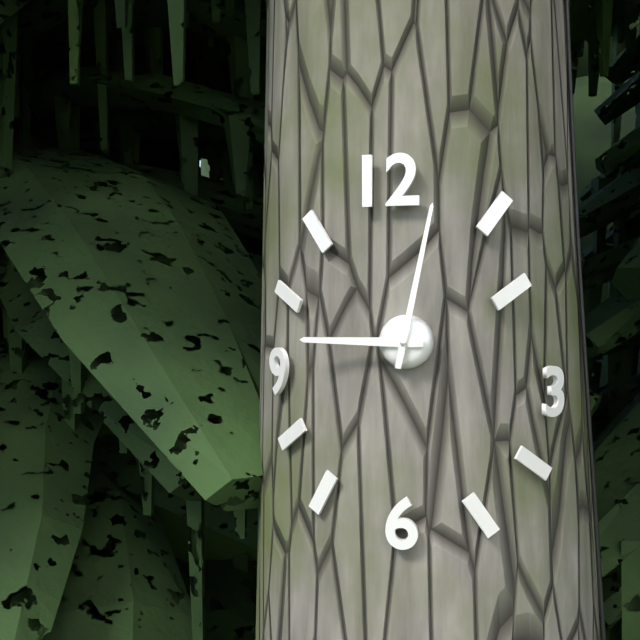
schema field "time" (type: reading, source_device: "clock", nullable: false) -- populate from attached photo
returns 9:02
